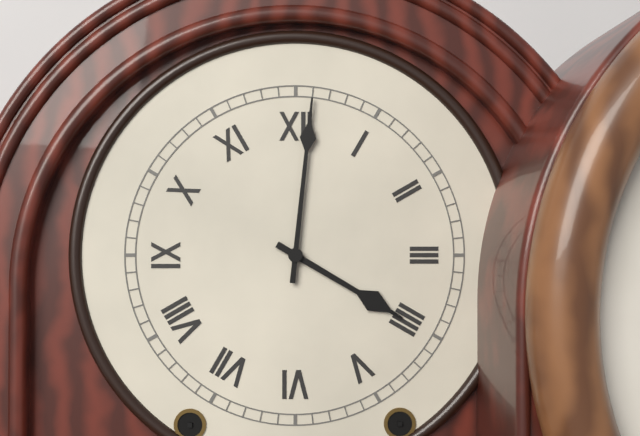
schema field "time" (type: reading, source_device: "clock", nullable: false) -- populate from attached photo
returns 4:01
